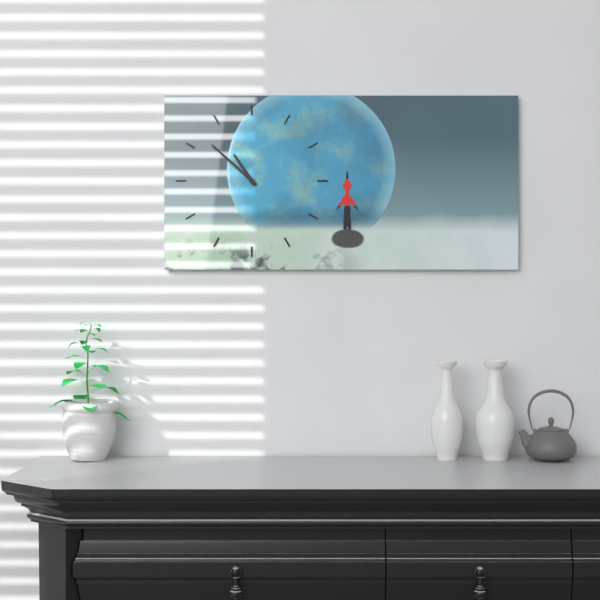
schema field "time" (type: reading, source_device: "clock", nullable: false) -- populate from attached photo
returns 10:52
